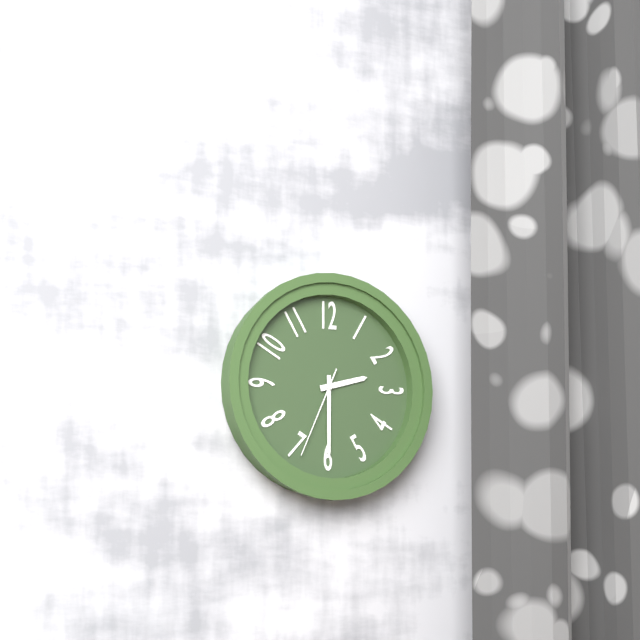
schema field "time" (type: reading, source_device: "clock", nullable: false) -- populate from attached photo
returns 2:30:34
